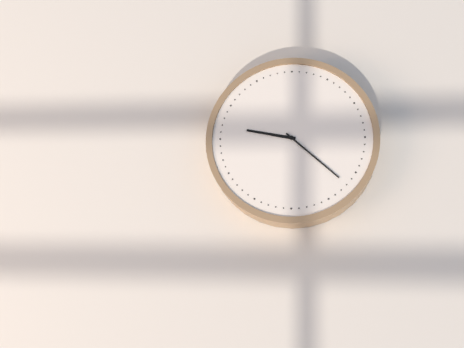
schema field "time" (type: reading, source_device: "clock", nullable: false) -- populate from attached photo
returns 9:22
